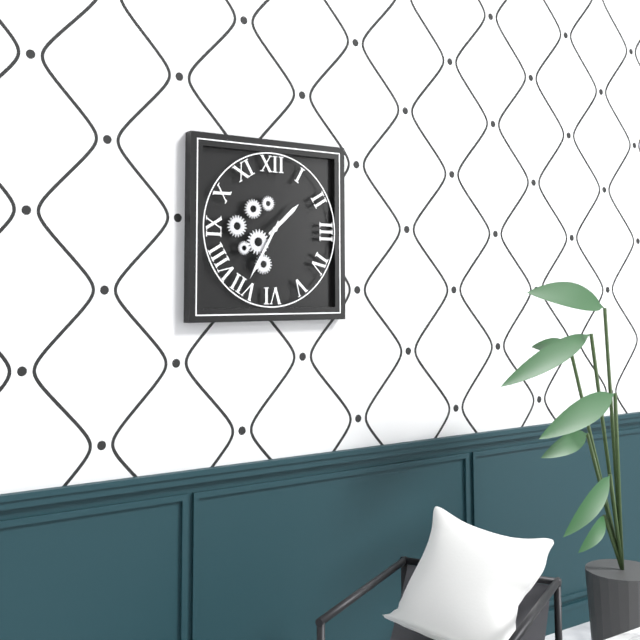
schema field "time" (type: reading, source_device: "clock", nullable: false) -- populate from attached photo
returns 1:35
